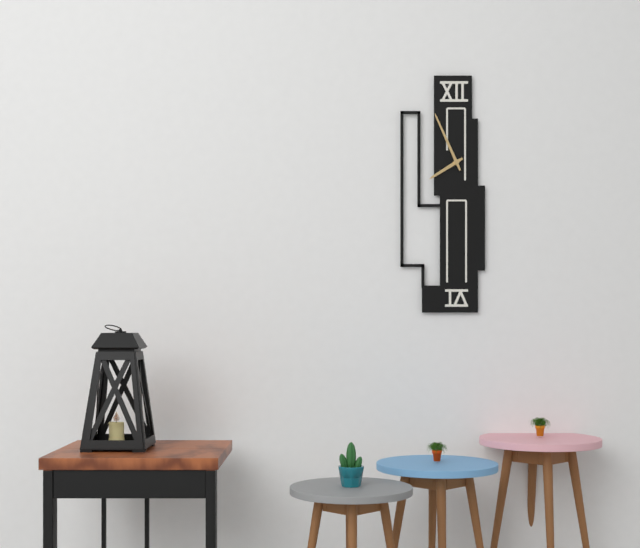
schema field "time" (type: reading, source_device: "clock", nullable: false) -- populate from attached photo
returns 7:56
